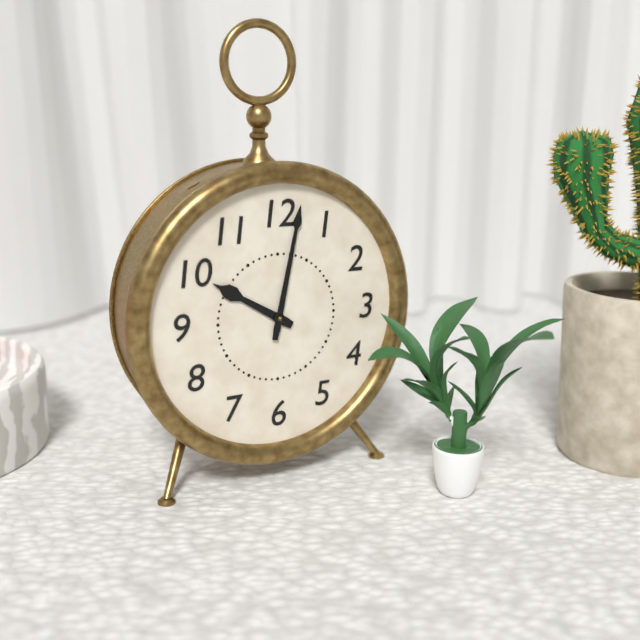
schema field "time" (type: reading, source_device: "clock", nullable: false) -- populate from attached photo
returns 10:02
